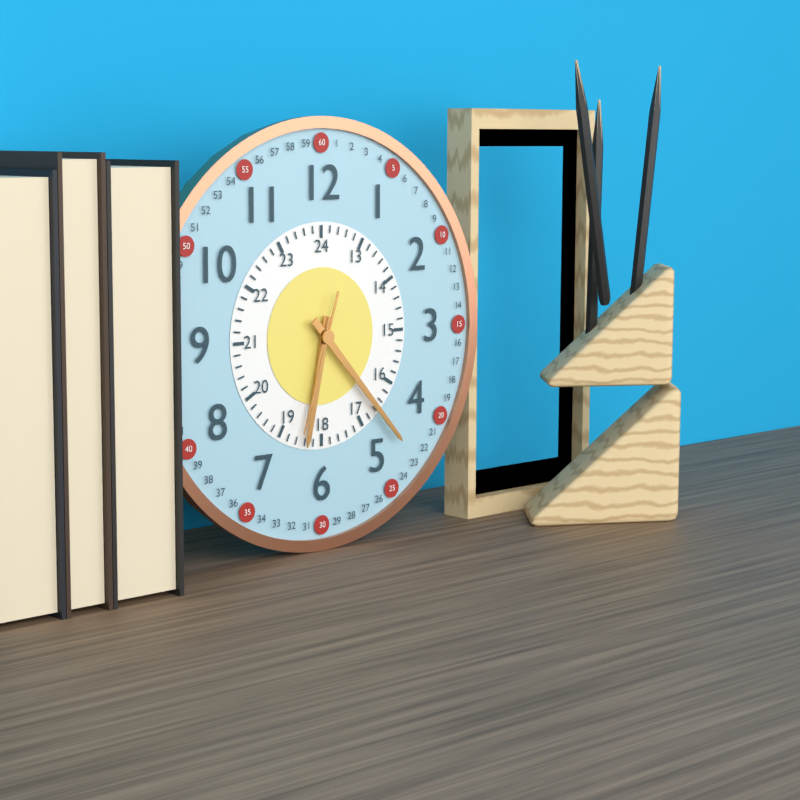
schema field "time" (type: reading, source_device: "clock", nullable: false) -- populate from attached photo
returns 6:23:33
